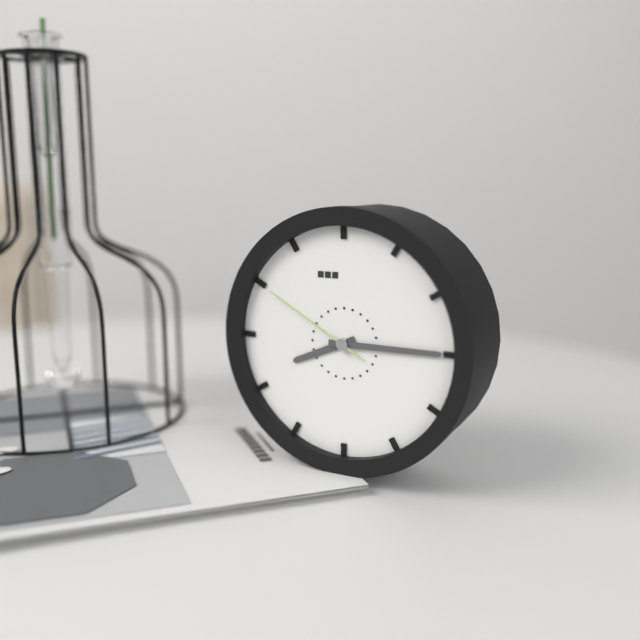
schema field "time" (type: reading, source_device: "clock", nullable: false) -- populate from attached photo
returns 8:15:50
